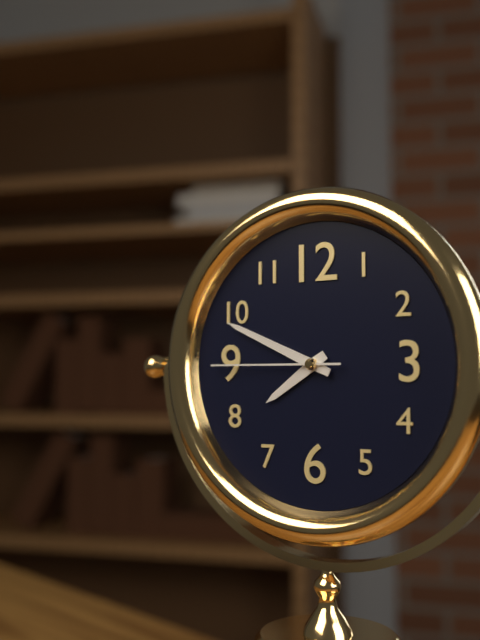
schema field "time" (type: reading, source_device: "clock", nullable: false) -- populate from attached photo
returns 7:49:45
